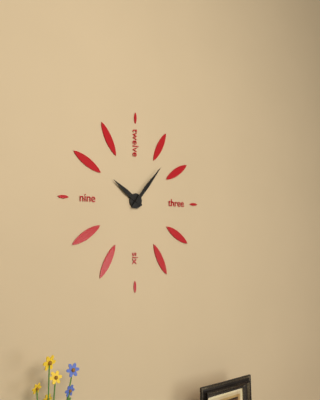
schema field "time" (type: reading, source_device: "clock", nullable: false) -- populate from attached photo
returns 10:07
